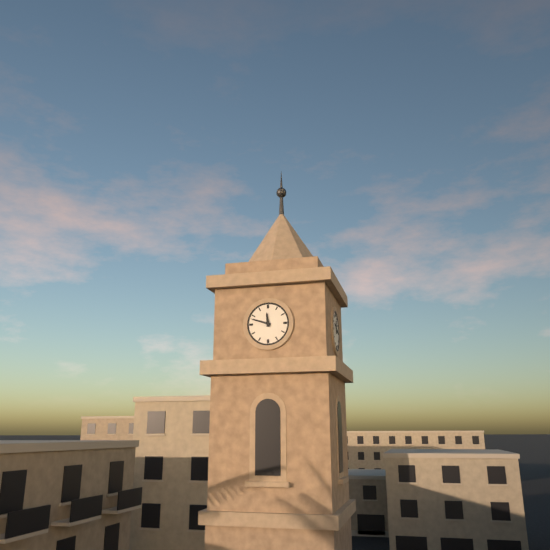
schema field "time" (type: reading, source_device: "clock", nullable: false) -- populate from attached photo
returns 11:48
